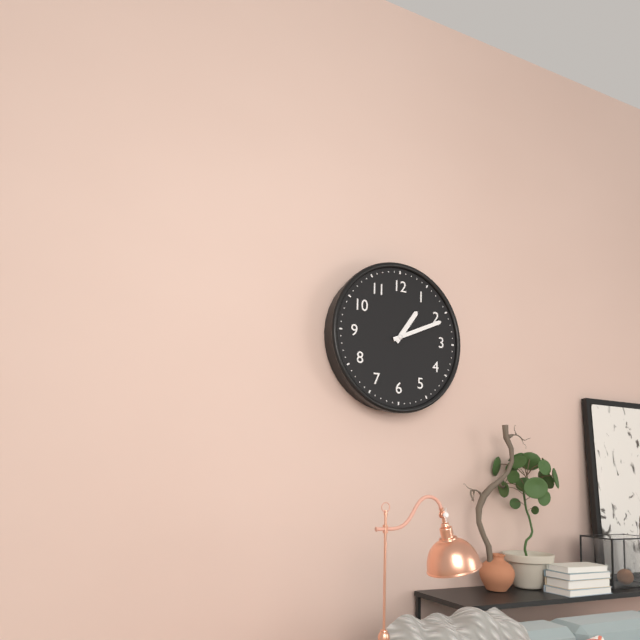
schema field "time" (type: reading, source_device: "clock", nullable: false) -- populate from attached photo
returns 1:11
